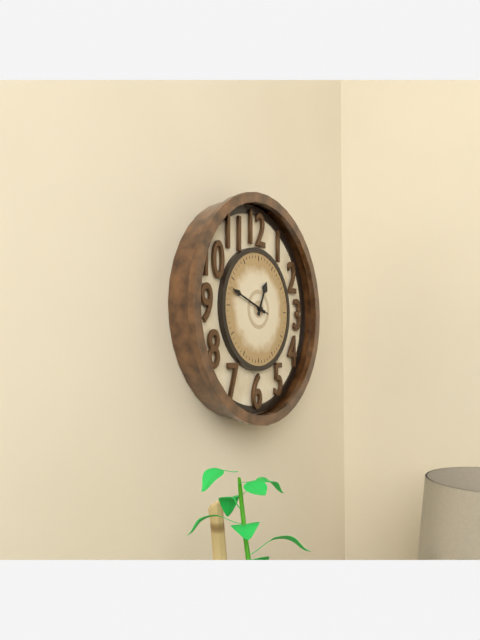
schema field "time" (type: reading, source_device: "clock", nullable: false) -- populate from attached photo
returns 12:48
